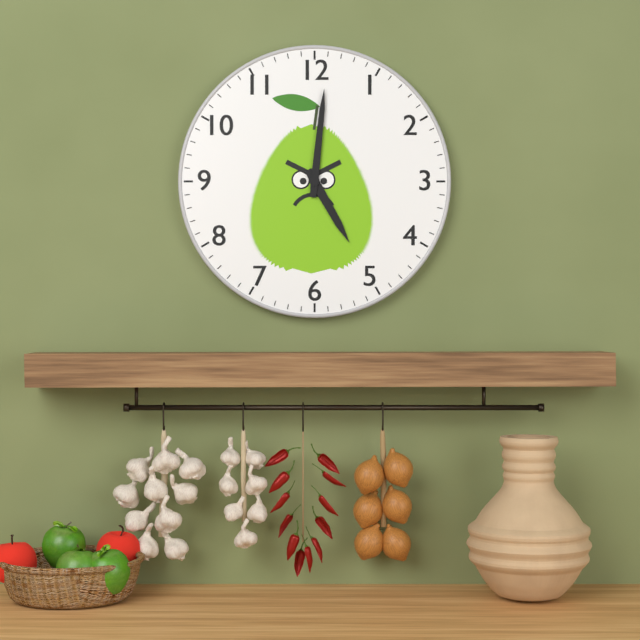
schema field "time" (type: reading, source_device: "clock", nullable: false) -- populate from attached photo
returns 5:01
